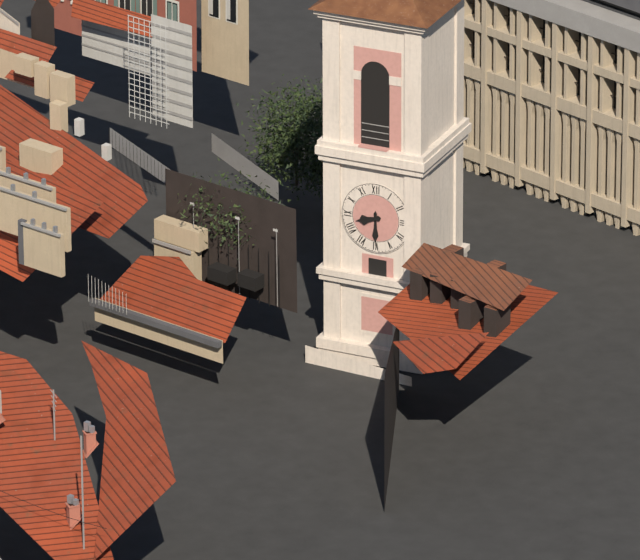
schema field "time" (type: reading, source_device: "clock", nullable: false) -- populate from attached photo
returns 8:30
